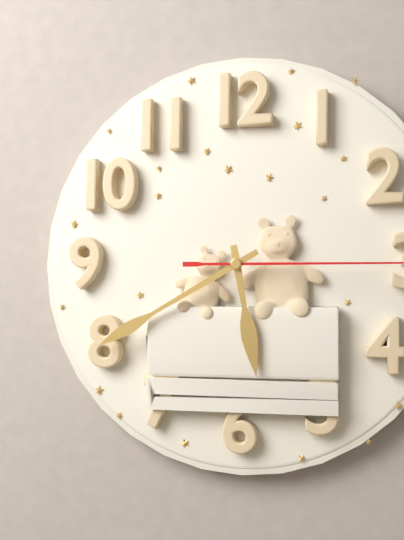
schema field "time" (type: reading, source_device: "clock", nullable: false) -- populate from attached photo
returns 5:40
